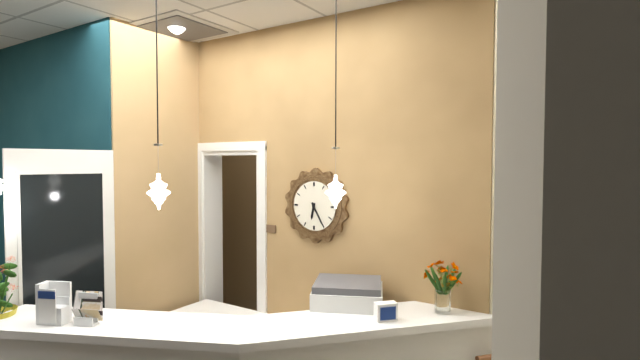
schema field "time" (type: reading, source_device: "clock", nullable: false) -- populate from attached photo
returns 6:25
